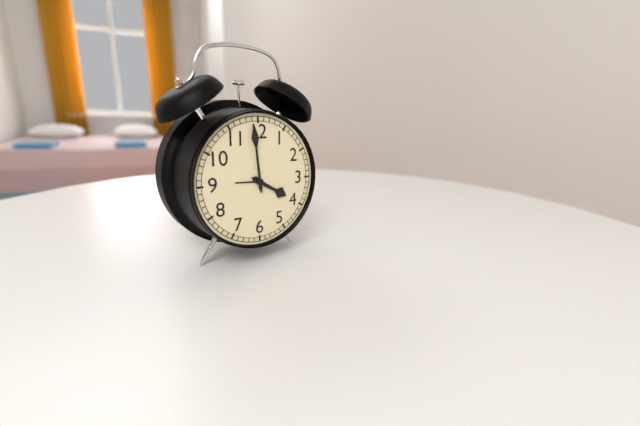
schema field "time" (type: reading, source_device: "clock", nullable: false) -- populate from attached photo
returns 3:59
